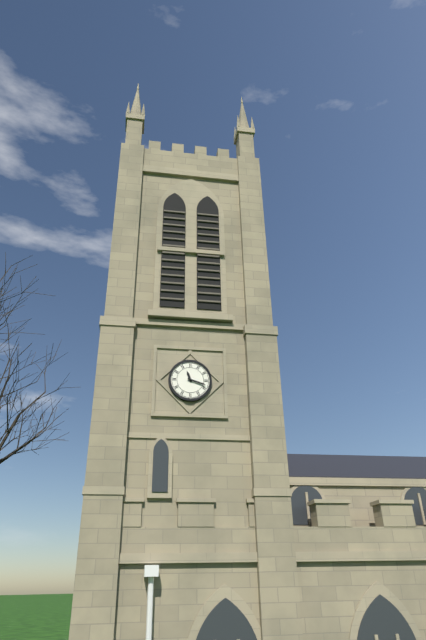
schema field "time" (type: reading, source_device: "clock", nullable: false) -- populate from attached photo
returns 11:18
